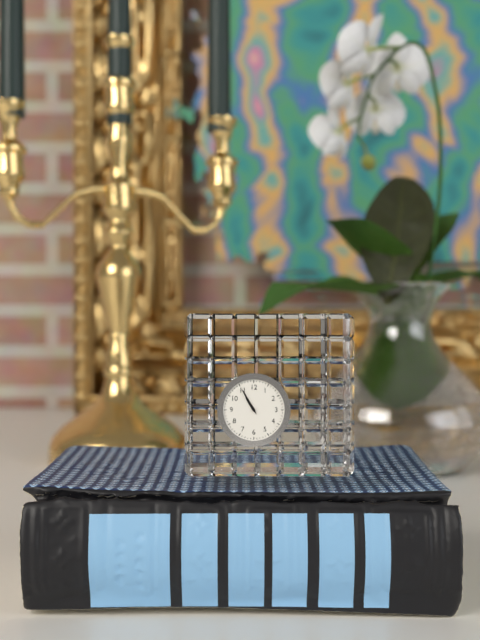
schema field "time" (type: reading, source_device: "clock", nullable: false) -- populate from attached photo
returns 10:55
